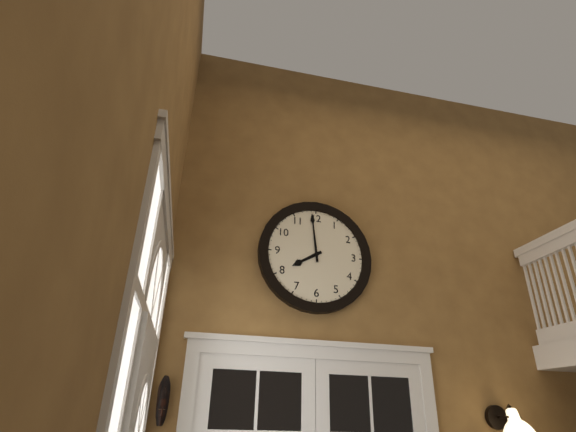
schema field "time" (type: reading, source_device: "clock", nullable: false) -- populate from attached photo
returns 7:59
